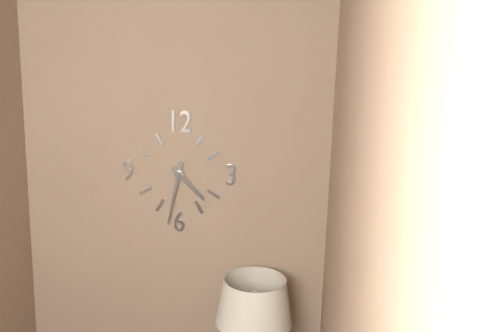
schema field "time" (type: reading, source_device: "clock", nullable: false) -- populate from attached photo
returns 4:32
